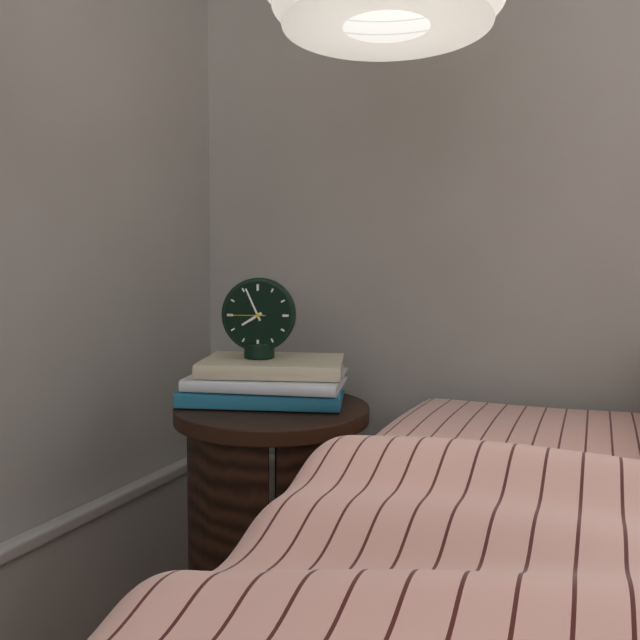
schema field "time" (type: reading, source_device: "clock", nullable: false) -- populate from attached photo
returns 7:56
